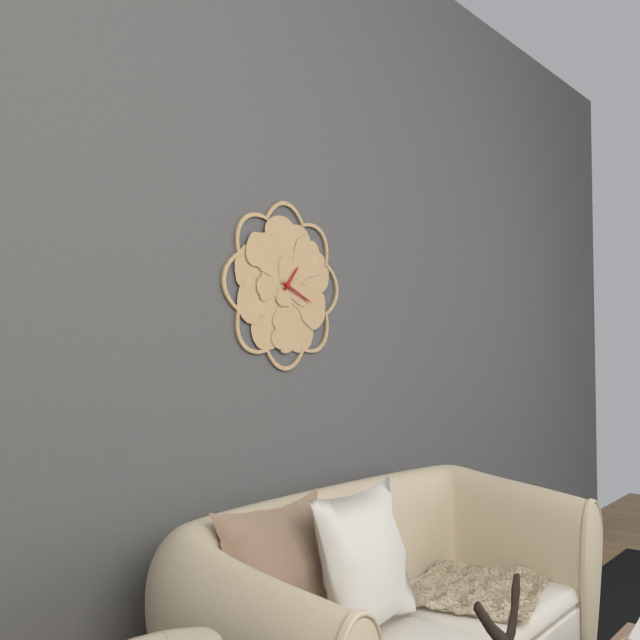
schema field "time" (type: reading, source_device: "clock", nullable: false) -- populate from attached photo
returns 1:19
